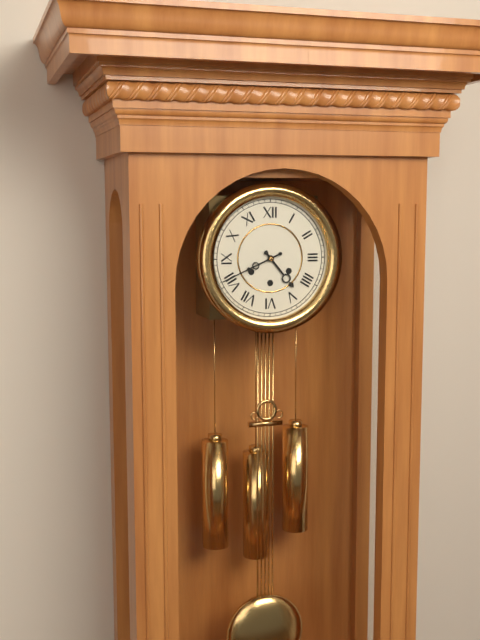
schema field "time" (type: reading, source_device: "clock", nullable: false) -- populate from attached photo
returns 4:41
